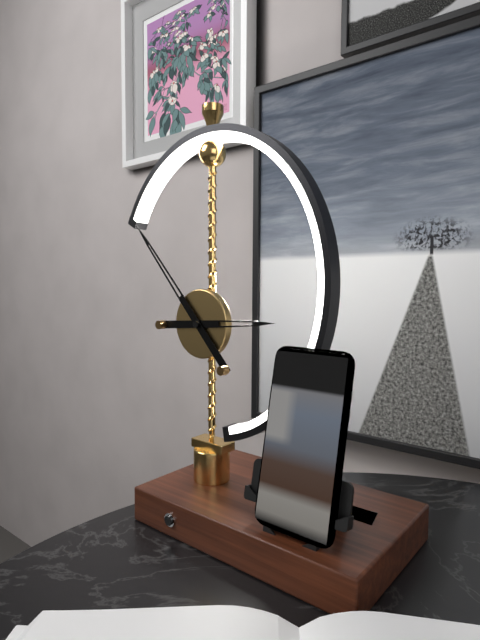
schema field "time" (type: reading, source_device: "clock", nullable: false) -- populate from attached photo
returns 2:53
